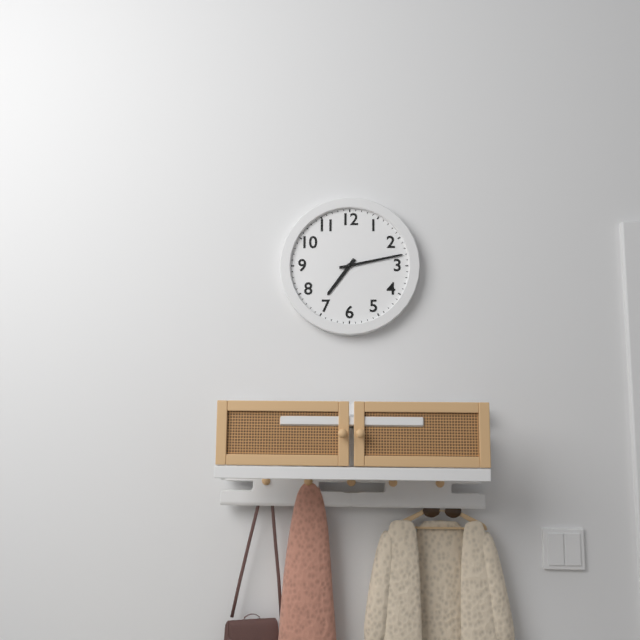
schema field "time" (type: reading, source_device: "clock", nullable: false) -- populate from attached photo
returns 7:13
